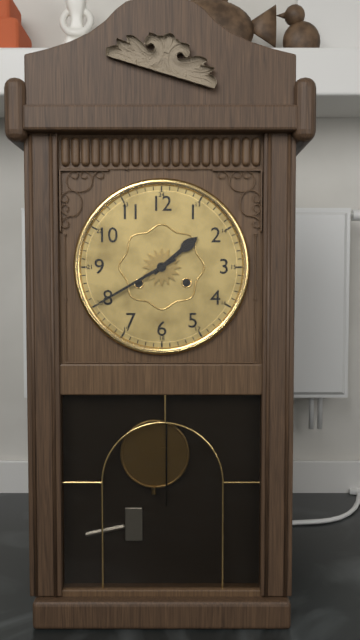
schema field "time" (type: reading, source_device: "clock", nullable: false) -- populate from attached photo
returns 1:40
